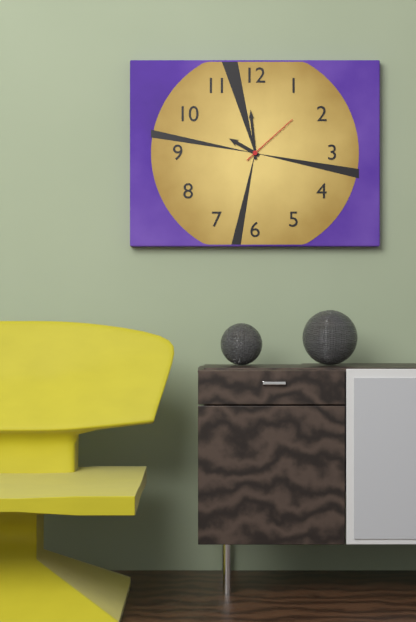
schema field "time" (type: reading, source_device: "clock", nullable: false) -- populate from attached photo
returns 9:59:08
